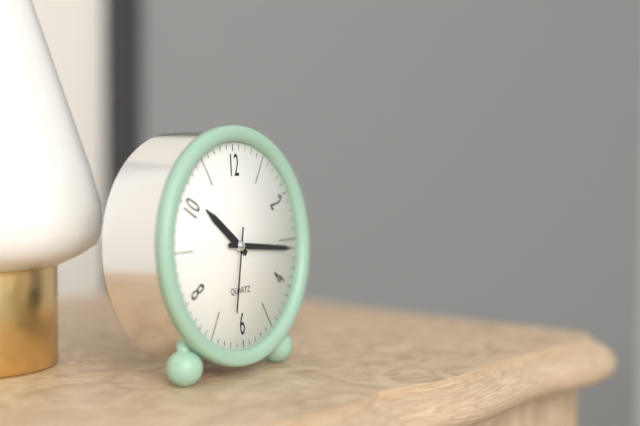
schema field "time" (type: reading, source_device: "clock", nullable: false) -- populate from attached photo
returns 10:16:32
